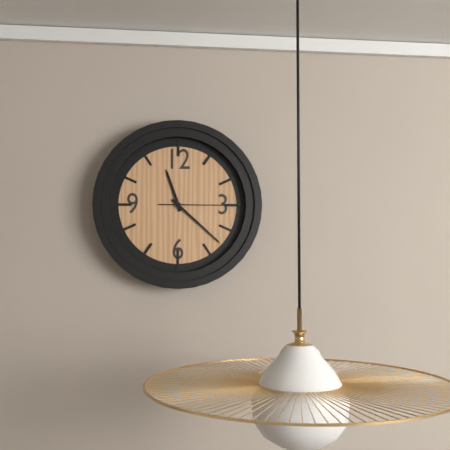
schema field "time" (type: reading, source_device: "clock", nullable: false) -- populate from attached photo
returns 11:22:15
